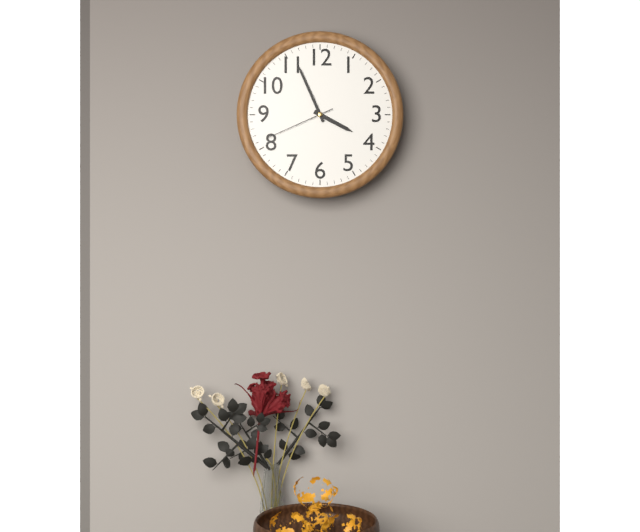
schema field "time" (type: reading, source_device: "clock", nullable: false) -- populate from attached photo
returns 3:56:41
